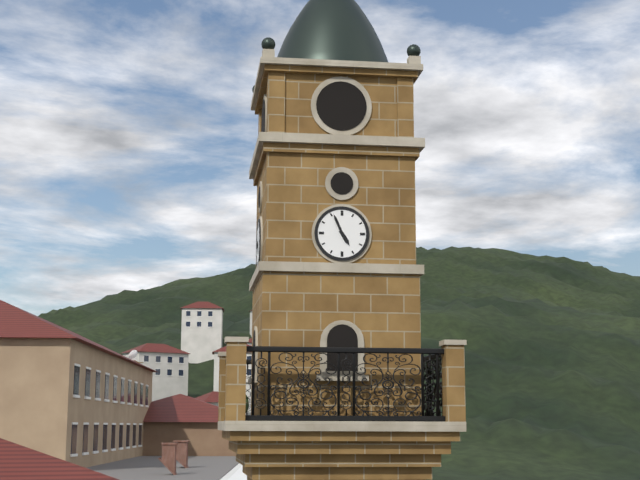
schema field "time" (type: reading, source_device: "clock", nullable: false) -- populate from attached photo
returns 4:56
